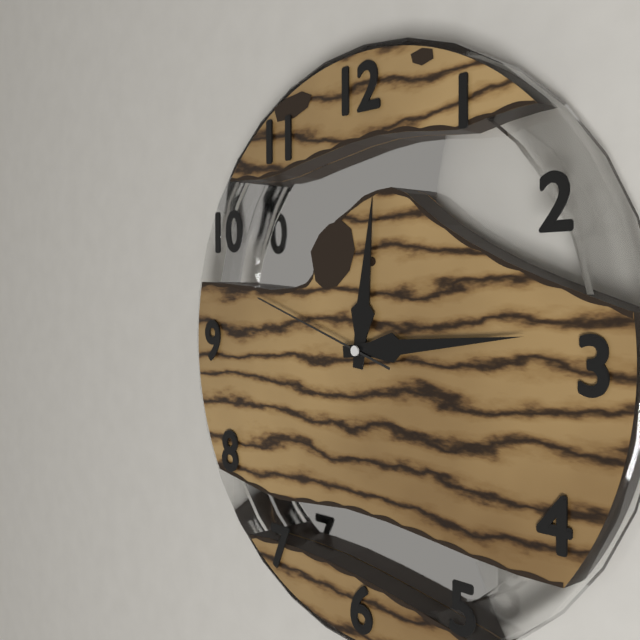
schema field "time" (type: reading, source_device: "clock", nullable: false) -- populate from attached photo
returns 12:14:48
